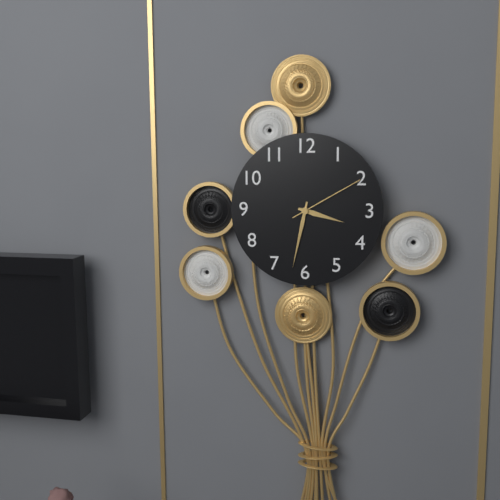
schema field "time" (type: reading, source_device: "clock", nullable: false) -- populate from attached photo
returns 3:32:10
